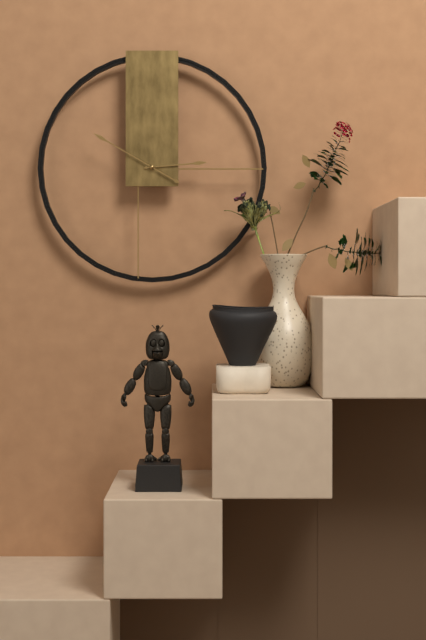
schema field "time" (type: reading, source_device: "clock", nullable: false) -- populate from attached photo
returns 2:50
